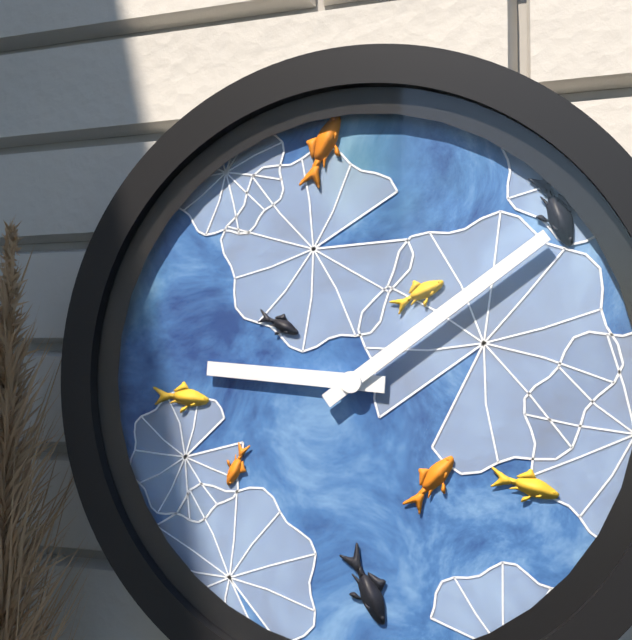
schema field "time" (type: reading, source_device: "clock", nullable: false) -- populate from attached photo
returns 9:09
